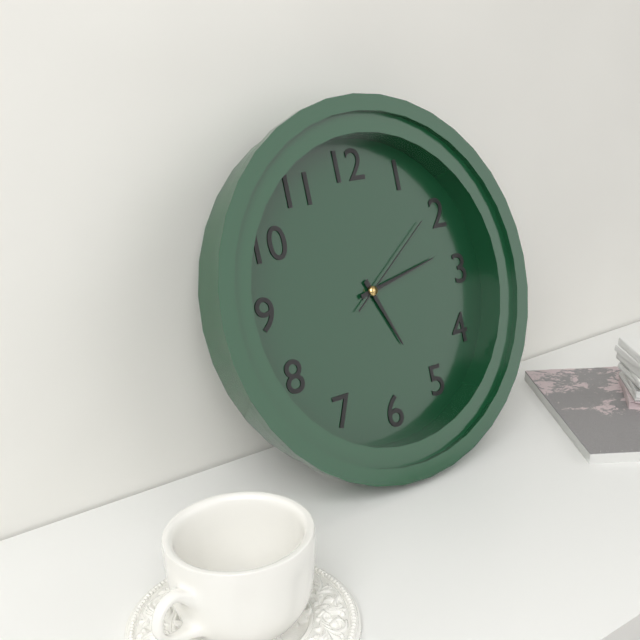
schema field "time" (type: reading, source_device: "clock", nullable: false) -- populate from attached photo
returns 5:13:09
